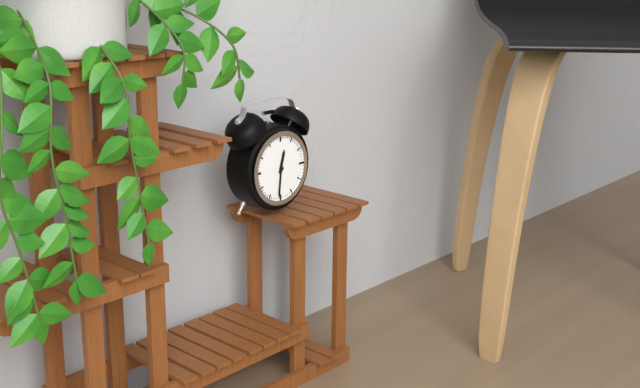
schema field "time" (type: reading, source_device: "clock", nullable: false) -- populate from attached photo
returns 12:31
